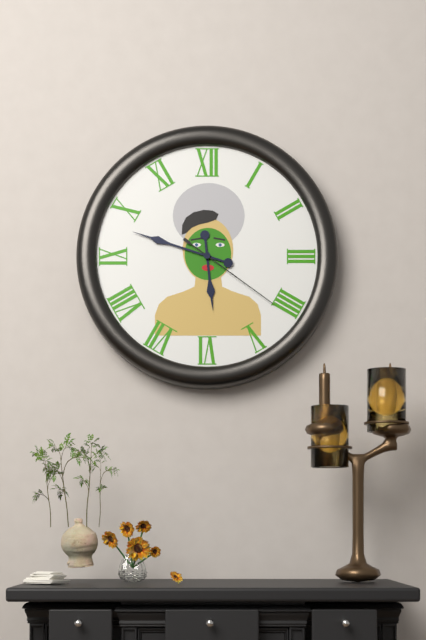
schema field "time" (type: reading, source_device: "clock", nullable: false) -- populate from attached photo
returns 5:48:21
